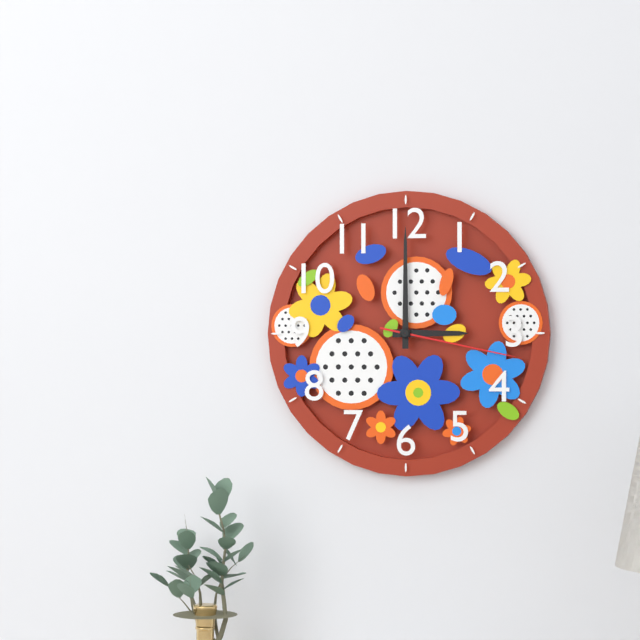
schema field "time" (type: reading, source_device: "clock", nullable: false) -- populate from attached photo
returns 3:00:17
